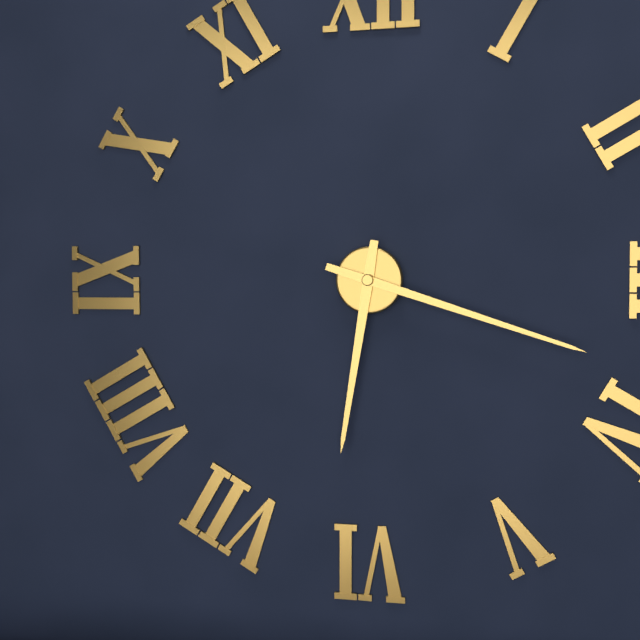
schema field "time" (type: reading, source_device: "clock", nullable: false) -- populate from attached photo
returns 6:18
